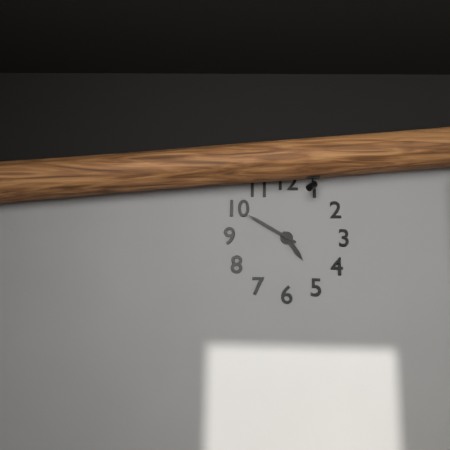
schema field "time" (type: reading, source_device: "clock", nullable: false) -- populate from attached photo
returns 4:50
